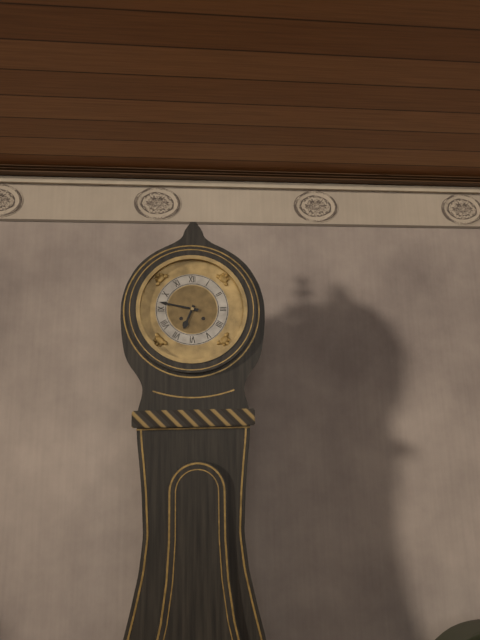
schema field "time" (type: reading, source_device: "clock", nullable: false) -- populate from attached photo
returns 6:47
